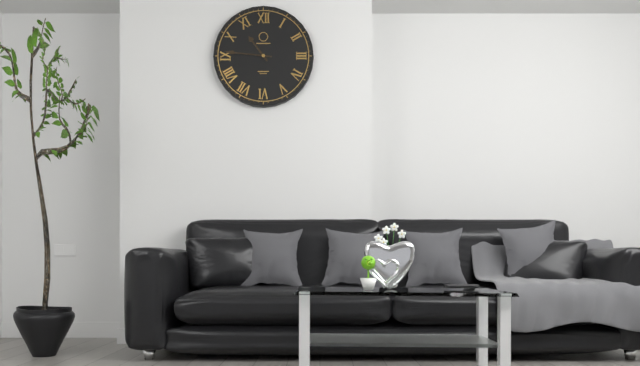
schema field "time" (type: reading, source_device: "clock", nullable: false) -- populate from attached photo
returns 10:46
